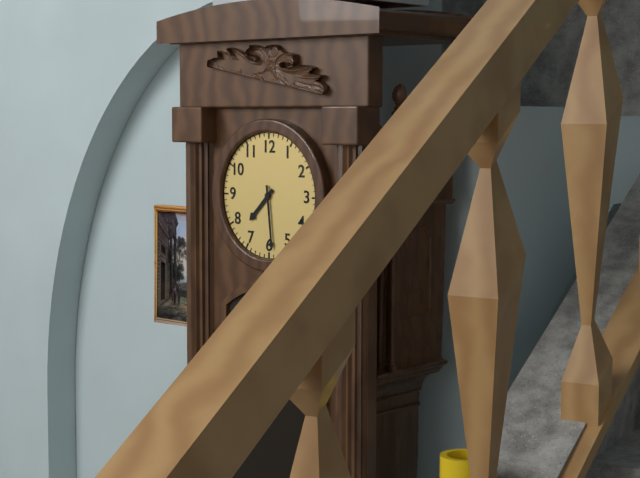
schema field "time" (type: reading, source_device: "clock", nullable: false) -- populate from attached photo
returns 7:29
